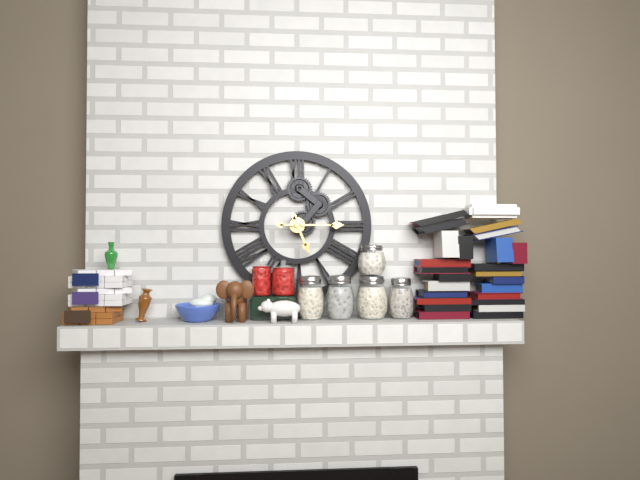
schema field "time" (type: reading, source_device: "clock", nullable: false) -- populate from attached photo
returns 5:15
